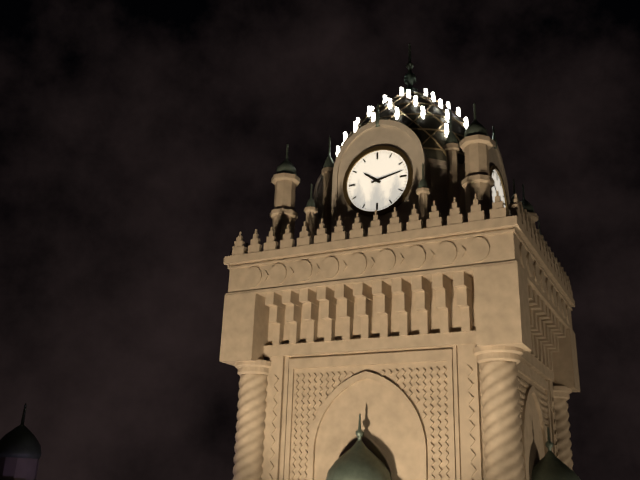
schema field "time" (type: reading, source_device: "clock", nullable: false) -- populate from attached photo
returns 10:13
